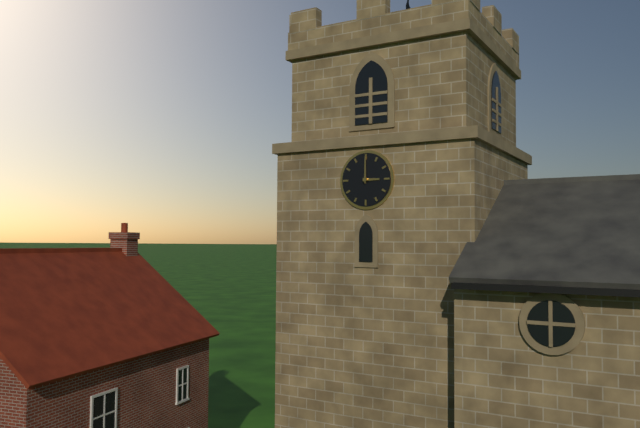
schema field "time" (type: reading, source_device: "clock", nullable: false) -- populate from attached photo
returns 3:00
